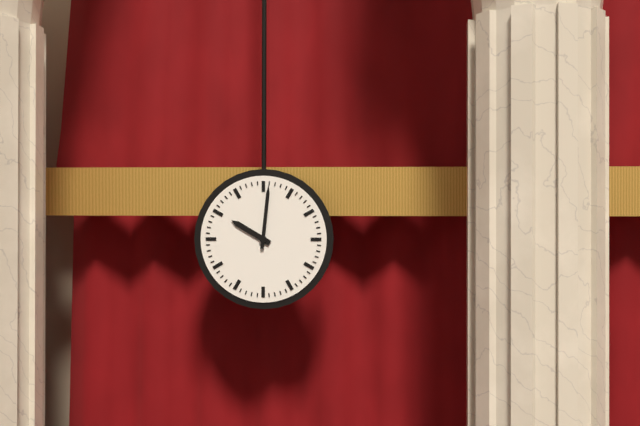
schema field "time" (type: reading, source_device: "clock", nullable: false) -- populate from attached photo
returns 10:01
